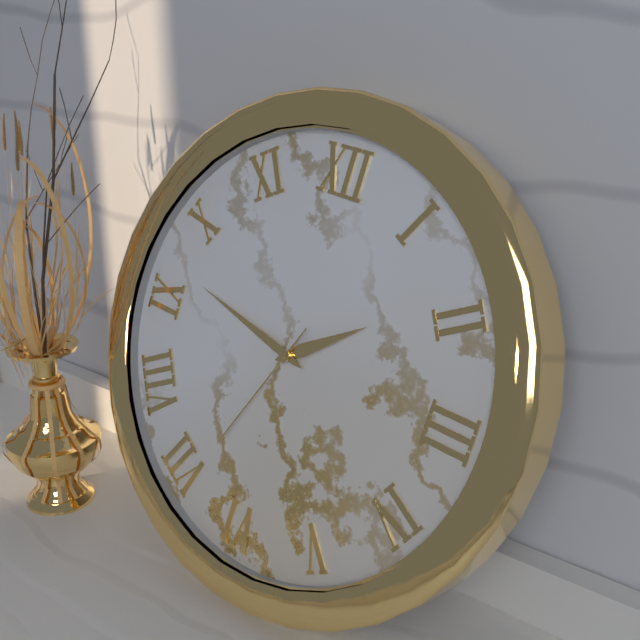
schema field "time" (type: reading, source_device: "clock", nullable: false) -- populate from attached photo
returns 1:47:34
